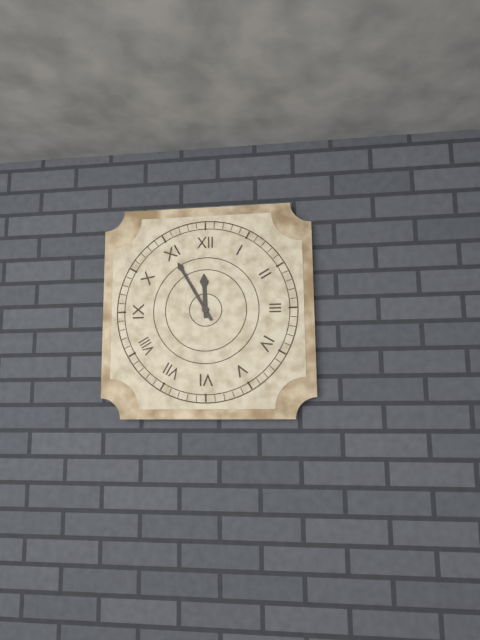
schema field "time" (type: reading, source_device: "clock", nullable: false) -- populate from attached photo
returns 11:55
